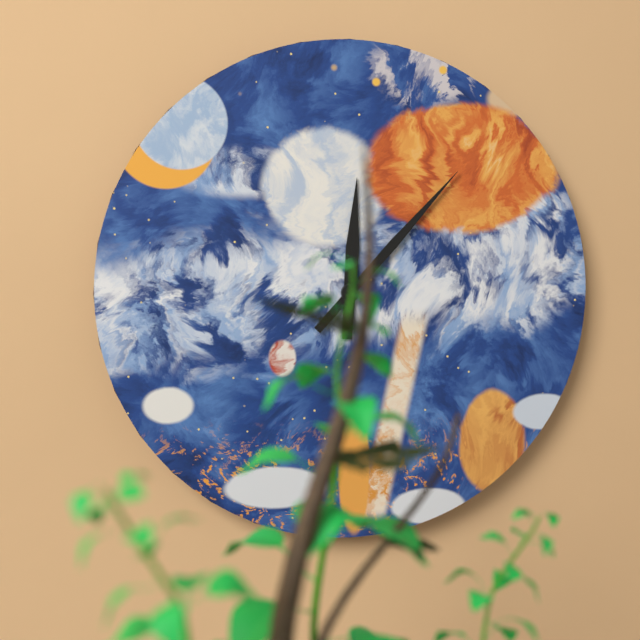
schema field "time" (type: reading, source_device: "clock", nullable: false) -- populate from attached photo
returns 12:07
